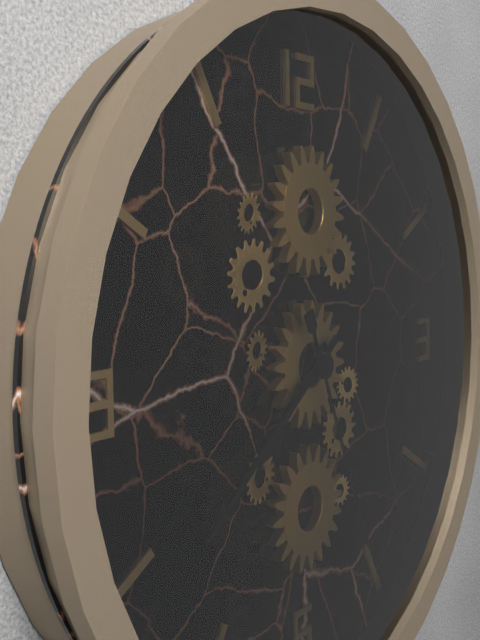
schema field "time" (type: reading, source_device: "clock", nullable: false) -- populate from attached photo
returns 7:39:26
